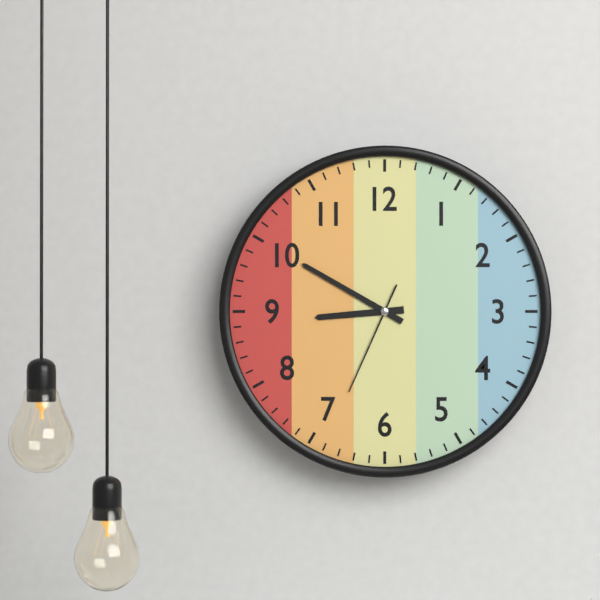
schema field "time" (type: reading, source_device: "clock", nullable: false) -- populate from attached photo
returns 8:50:34
